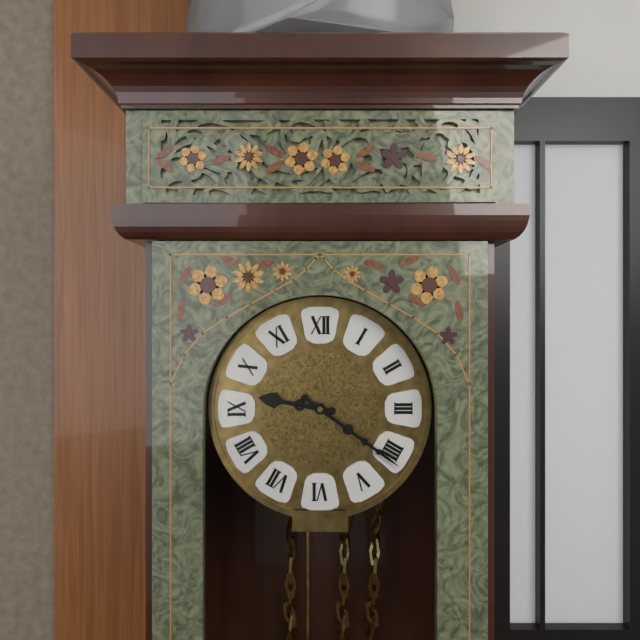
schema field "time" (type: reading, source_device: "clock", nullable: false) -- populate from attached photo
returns 9:21
